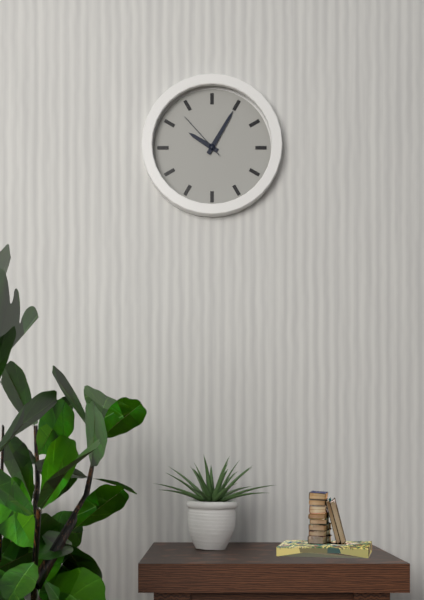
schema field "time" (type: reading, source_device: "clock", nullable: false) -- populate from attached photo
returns 10:05:53
